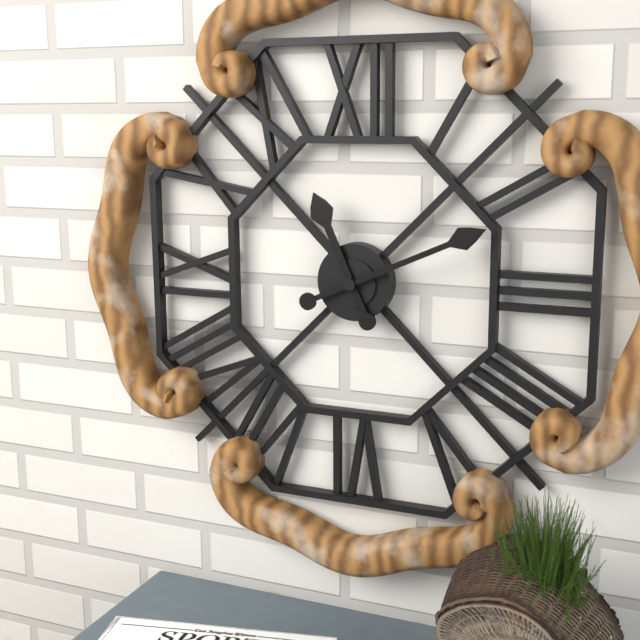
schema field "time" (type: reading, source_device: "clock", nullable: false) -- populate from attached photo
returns 11:11
